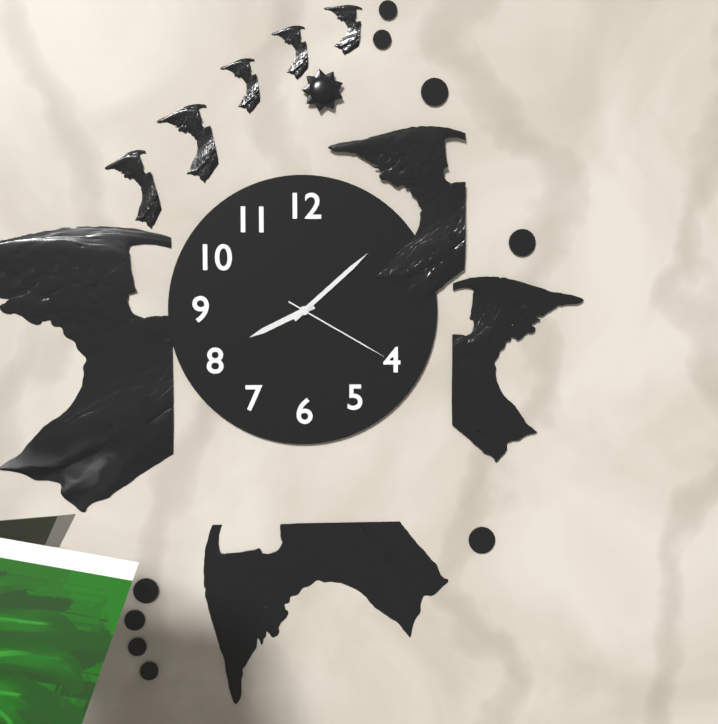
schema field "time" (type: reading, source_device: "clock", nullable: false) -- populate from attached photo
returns 8:08:20
